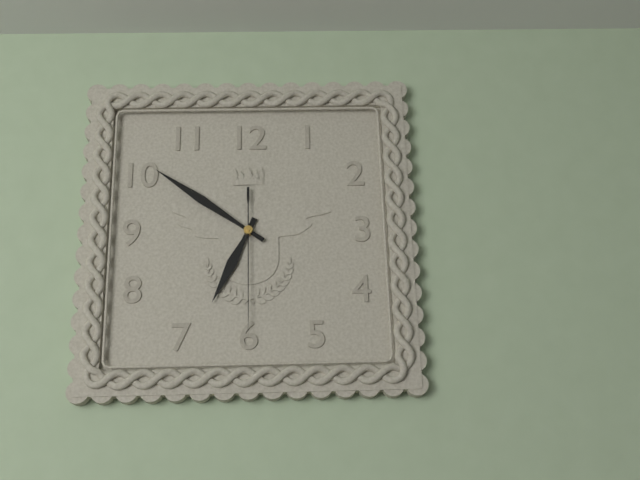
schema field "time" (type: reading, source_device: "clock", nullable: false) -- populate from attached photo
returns 6:51:30
